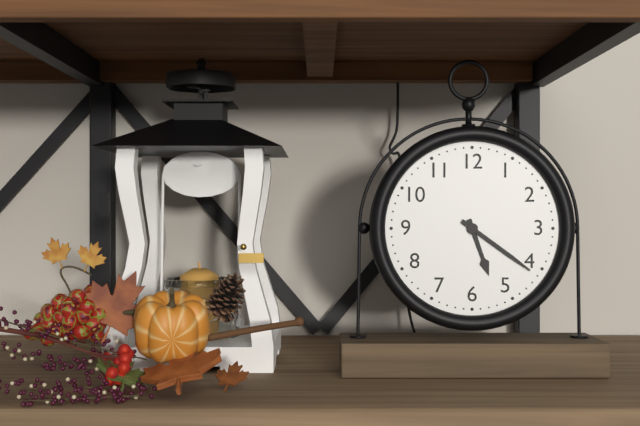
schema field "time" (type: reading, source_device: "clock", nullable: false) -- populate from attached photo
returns 5:21
